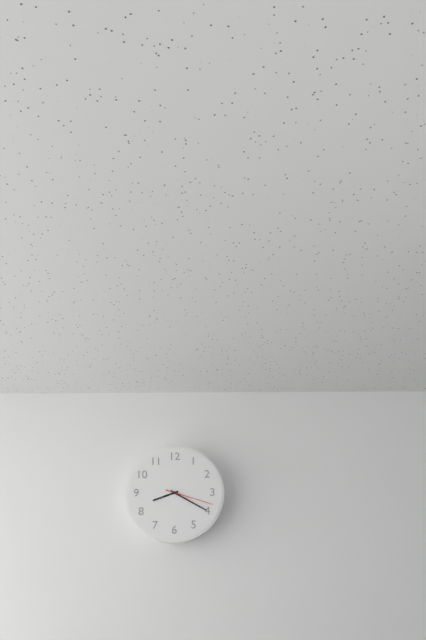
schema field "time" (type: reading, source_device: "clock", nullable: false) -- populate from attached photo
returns 8:20:18
